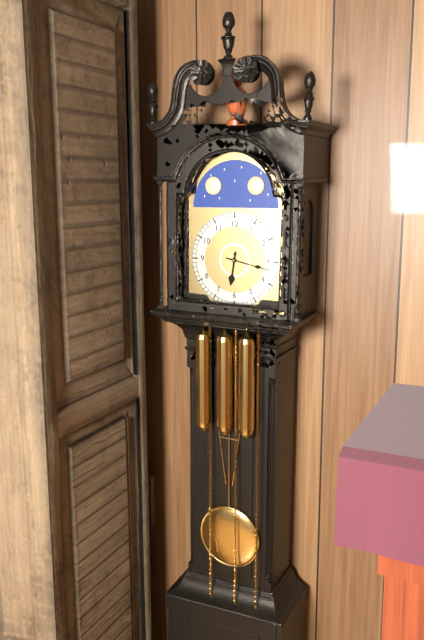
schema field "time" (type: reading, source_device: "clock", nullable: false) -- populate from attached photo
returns 6:17
